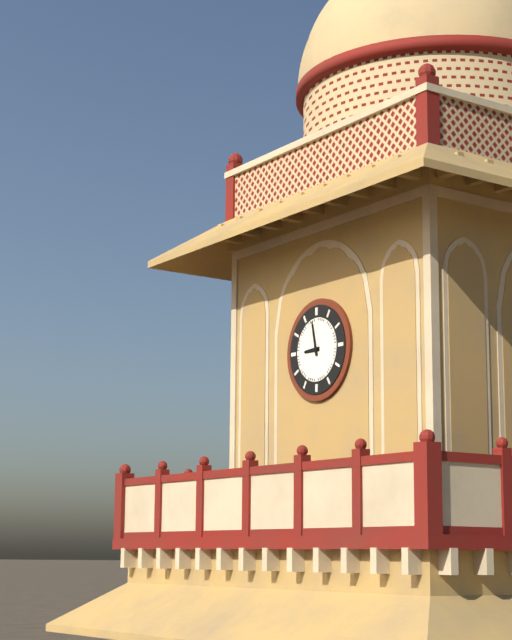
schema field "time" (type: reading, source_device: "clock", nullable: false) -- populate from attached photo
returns 8:58
